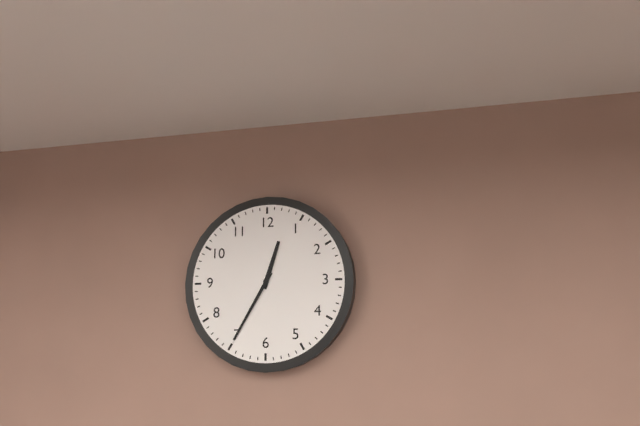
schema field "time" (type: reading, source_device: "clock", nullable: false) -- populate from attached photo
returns 12:35
